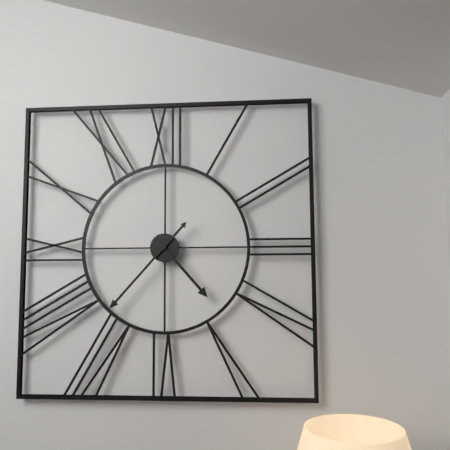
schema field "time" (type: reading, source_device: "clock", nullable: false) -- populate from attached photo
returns 4:37
